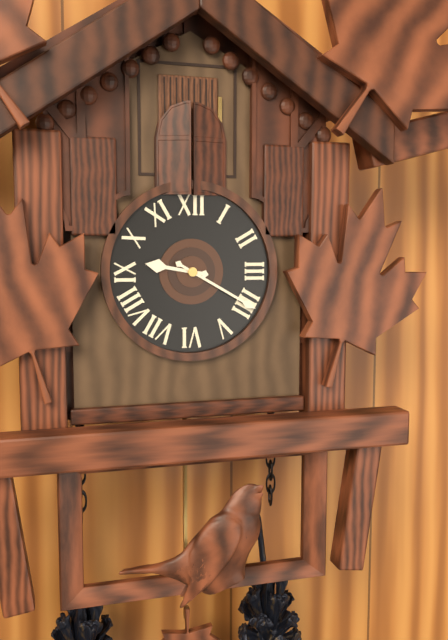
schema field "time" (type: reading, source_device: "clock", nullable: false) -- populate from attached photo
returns 9:20
